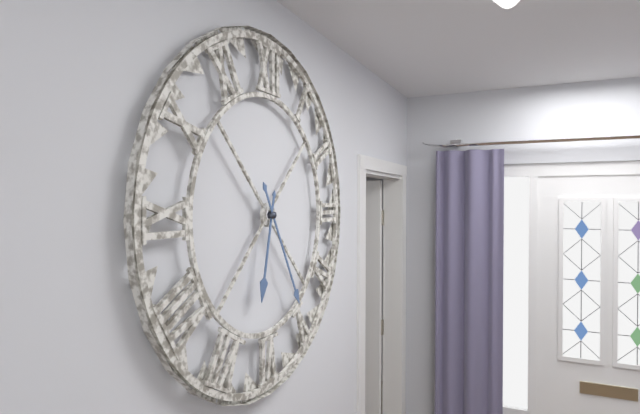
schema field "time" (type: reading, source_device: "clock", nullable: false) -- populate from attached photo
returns 6:25
